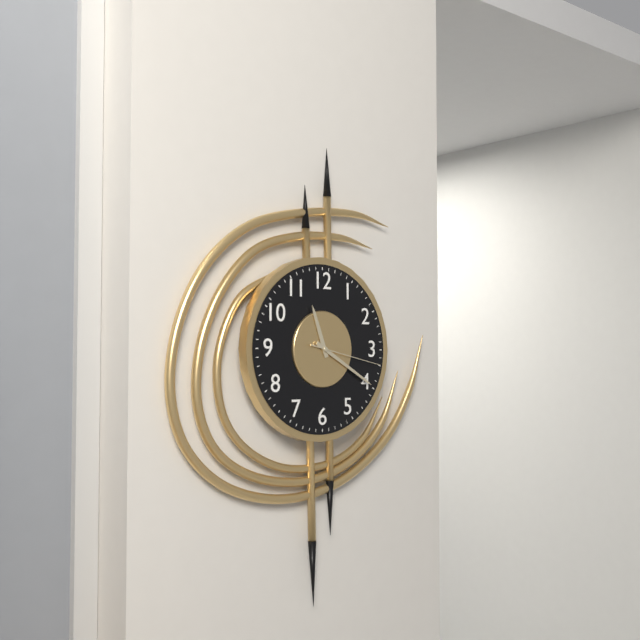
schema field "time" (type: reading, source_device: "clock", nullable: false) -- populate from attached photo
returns 11:20:17
